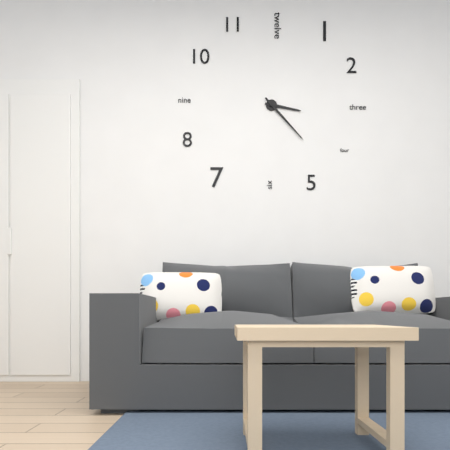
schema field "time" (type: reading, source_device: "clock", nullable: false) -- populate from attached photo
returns 3:23
